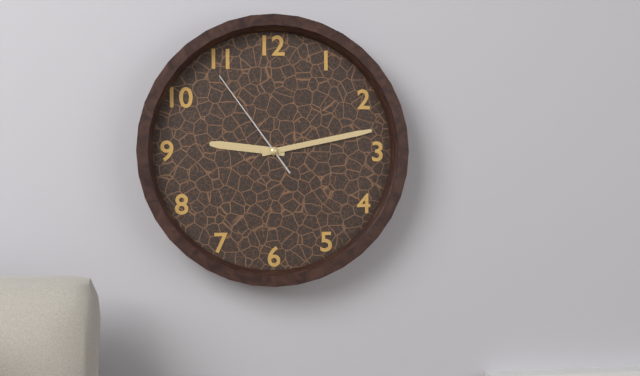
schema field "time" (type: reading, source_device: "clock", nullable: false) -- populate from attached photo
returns 9:13:54
